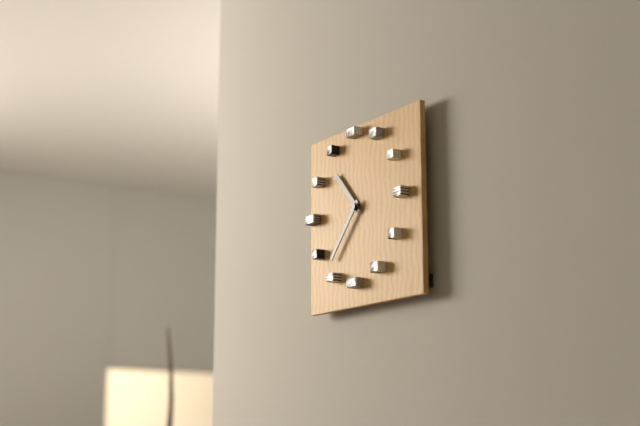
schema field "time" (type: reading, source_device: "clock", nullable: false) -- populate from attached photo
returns 10:37
